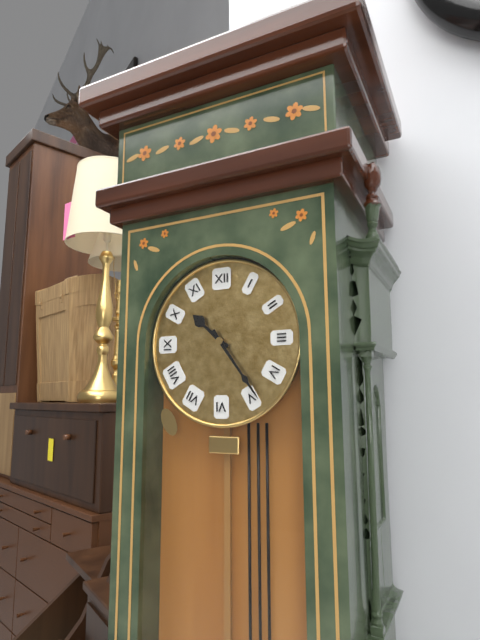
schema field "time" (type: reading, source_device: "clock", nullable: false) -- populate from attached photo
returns 10:24
